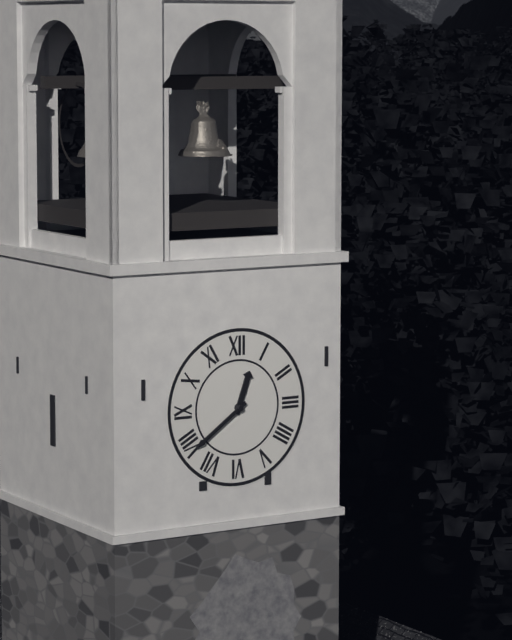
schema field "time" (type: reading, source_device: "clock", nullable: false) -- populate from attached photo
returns 12:39
